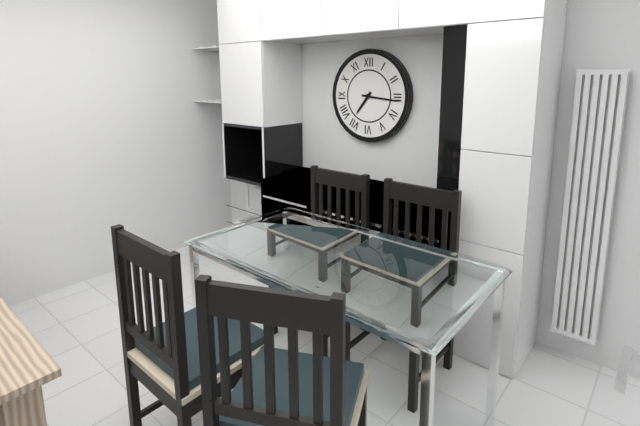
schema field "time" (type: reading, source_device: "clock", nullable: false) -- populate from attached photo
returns 7:16
